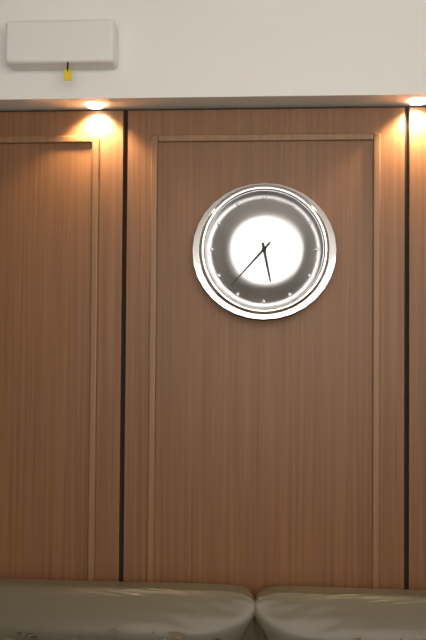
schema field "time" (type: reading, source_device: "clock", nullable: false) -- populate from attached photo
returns 5:37
